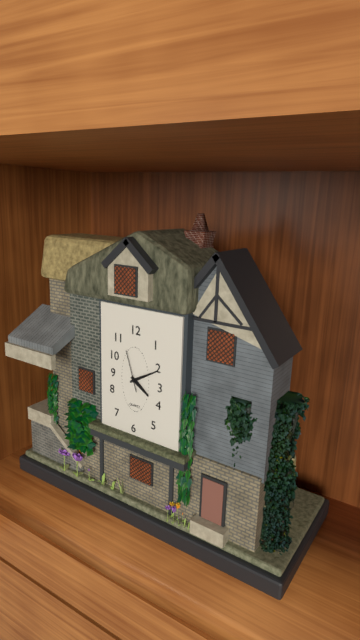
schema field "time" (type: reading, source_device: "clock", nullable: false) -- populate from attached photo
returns 4:10
